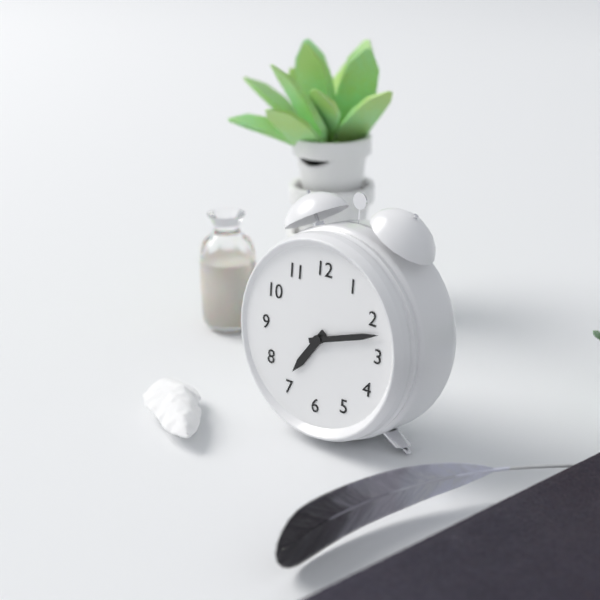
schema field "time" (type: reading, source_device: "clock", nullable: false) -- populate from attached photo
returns 7:12
